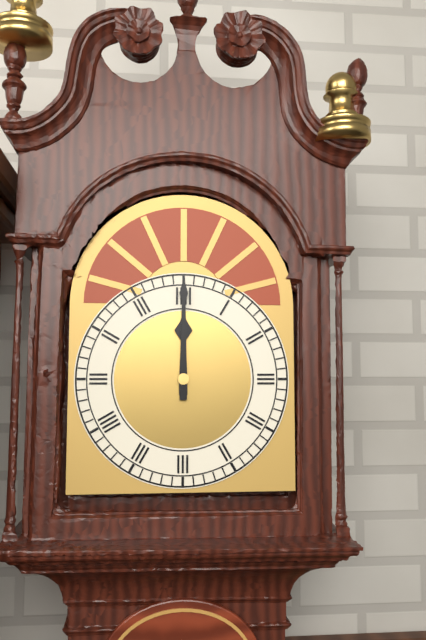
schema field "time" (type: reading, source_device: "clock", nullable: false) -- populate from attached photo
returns 12:00
